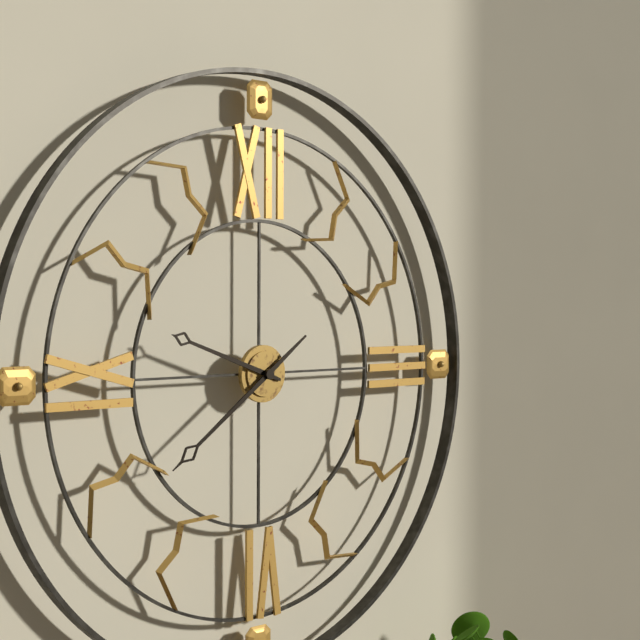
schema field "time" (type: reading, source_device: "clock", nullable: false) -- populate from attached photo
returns 9:39
